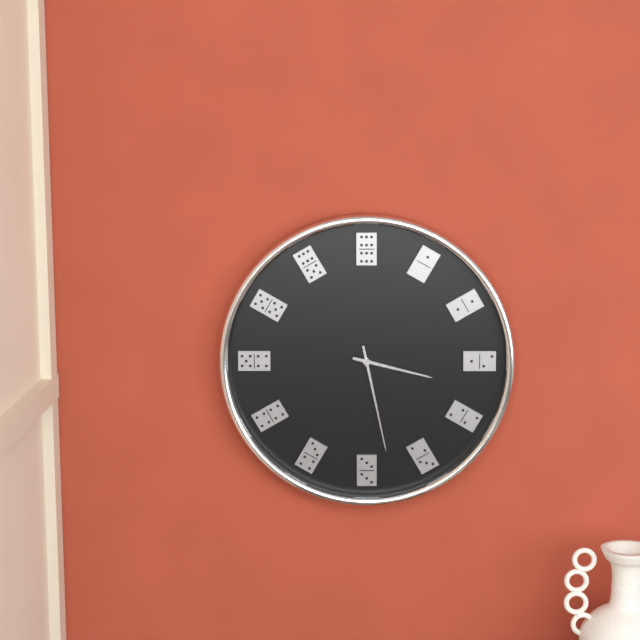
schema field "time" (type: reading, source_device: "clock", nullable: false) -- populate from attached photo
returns 3:28
